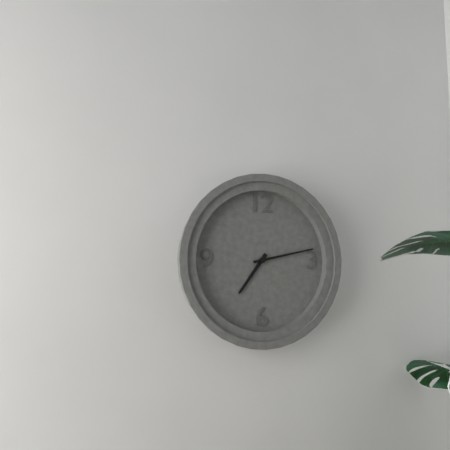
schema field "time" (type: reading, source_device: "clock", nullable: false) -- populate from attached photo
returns 7:13
